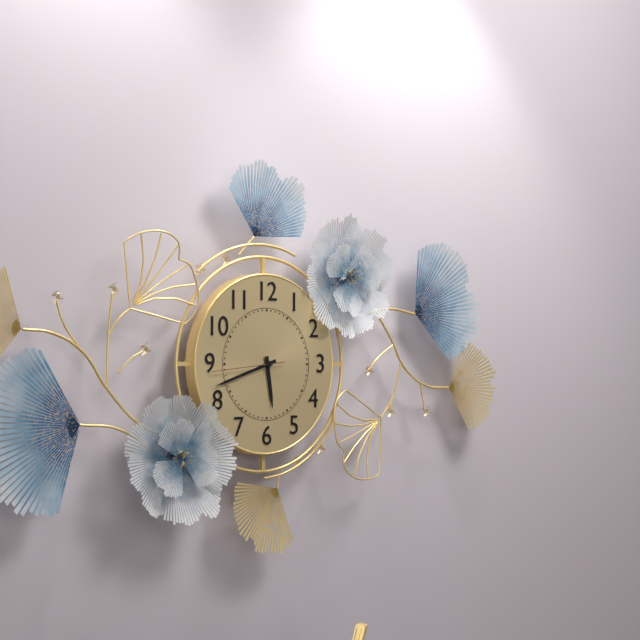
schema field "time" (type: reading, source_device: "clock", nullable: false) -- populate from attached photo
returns 5:42:44
